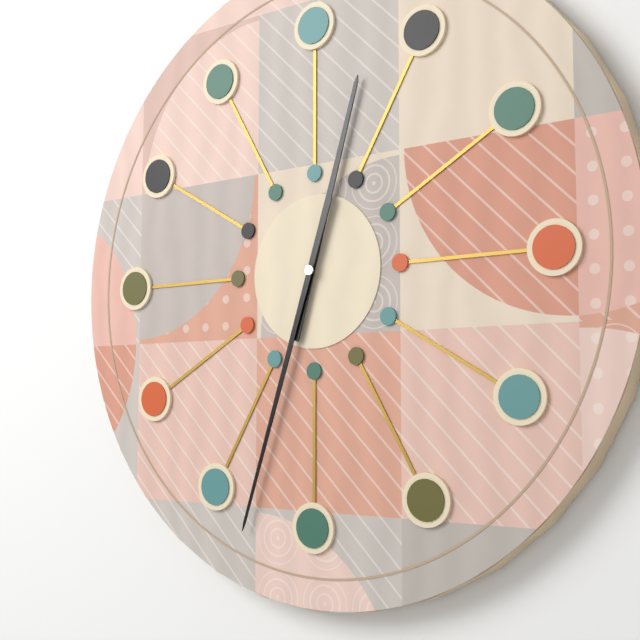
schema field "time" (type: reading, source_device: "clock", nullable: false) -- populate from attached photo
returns 12:33
